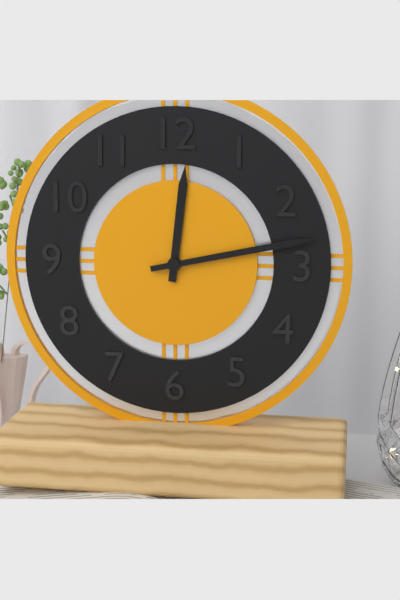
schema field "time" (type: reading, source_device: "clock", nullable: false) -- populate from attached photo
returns 12:13
